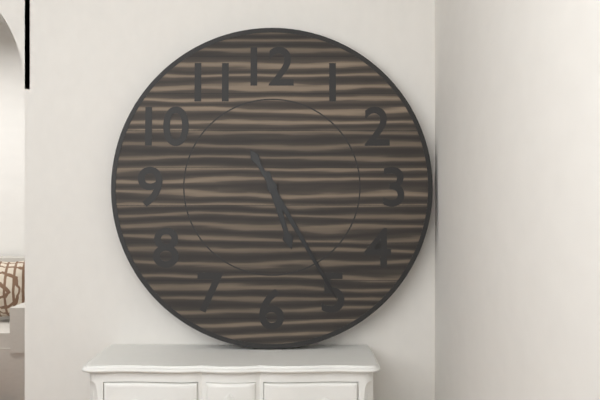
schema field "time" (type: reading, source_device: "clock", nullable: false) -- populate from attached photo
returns 5:25
